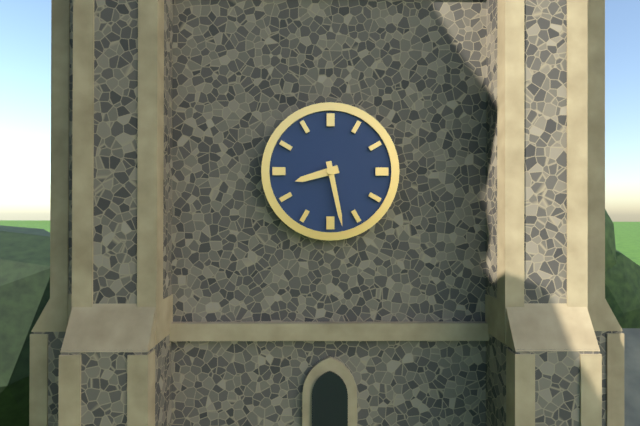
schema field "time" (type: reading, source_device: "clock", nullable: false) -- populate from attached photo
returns 8:28
